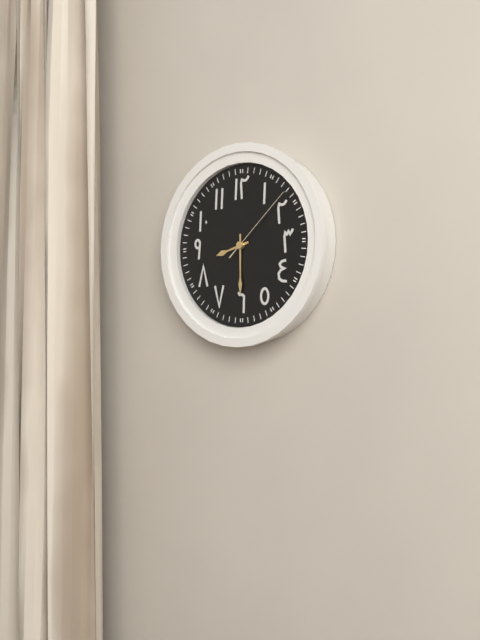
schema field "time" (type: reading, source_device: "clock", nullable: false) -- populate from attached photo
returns 8:30:08
